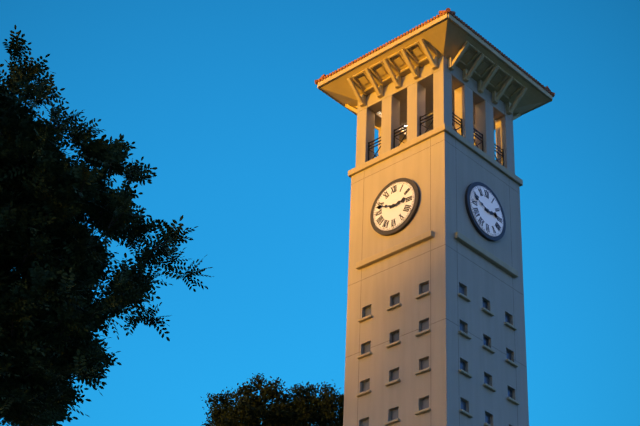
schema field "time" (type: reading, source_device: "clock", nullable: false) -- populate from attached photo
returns 2:48
